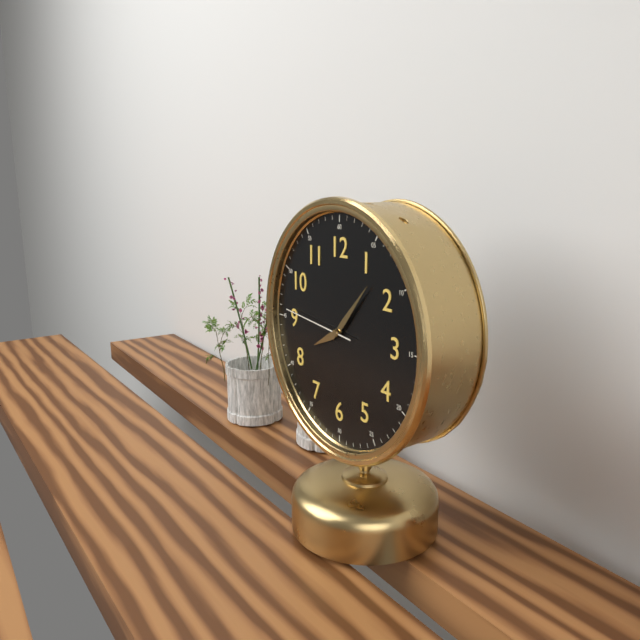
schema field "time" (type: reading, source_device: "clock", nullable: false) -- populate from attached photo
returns 8:07:46
